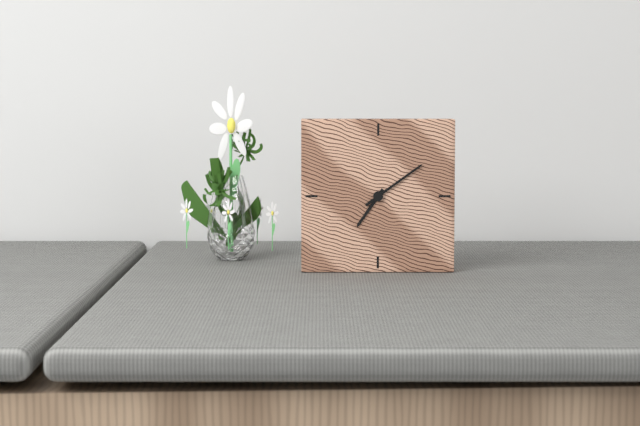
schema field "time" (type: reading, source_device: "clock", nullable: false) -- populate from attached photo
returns 7:09
